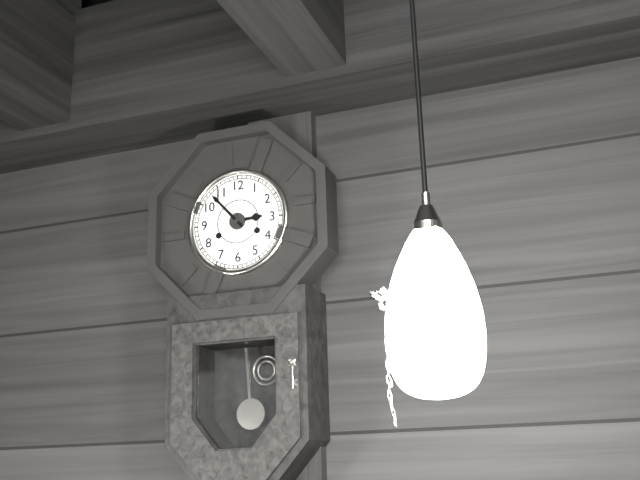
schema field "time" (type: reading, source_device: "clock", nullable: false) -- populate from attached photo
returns 2:53
